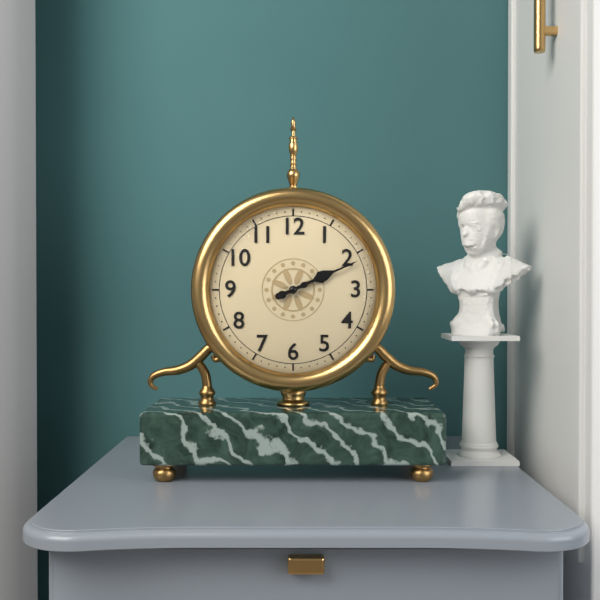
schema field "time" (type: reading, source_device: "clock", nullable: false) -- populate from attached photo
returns 2:11
